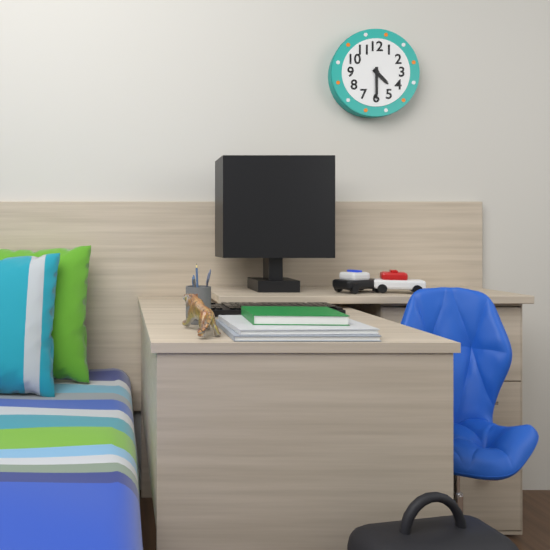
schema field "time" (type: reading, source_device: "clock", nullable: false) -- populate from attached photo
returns 4:30
